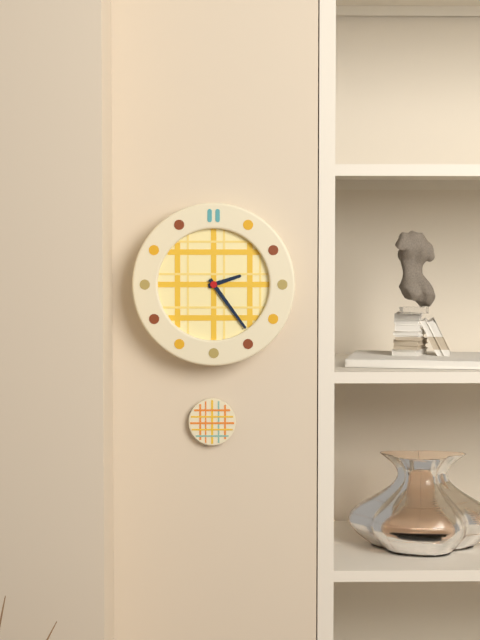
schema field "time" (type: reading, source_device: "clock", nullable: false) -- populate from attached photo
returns 2:24
